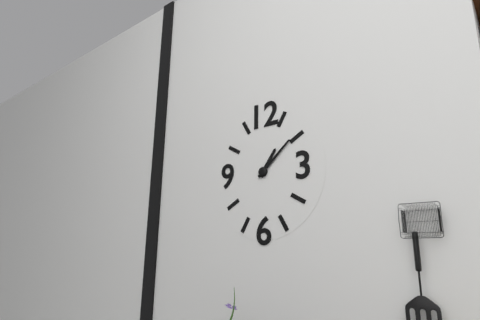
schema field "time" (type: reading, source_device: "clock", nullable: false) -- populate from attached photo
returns 1:08
